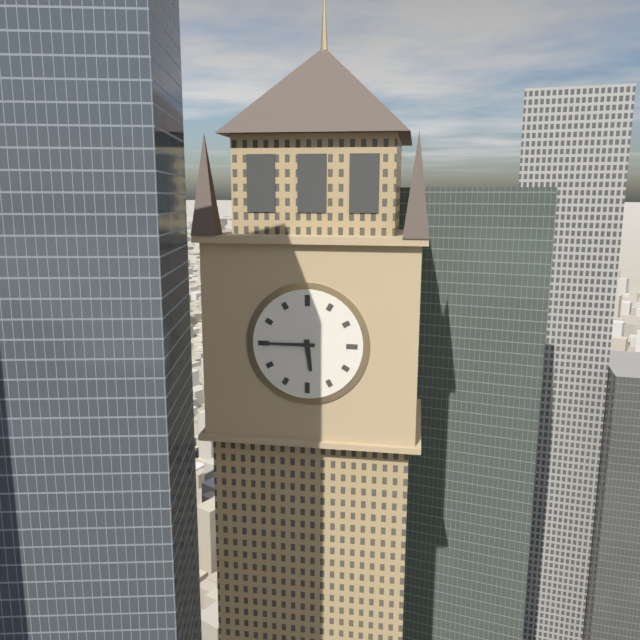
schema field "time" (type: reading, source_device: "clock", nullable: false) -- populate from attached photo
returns 5:45
